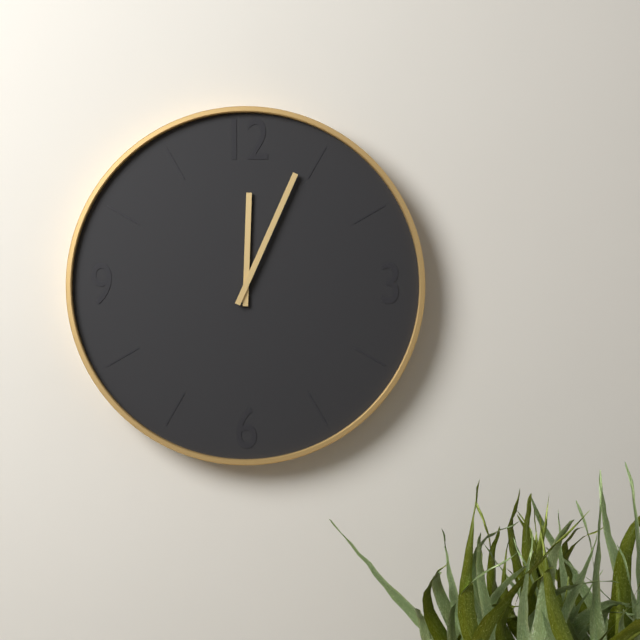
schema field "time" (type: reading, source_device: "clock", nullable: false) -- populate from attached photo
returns 12:04
